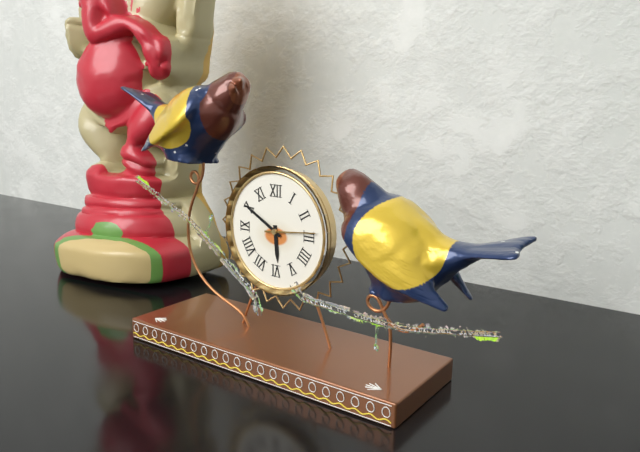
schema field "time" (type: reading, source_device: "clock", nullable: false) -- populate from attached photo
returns 5:50
